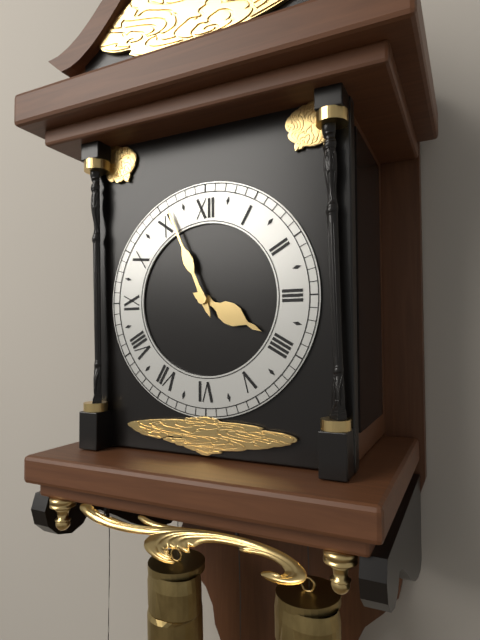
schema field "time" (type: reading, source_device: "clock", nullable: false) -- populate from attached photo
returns 3:56
